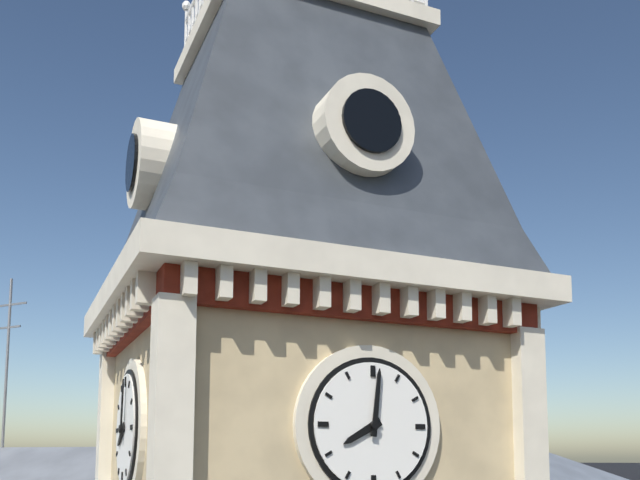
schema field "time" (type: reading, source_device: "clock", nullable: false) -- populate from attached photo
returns 8:01
